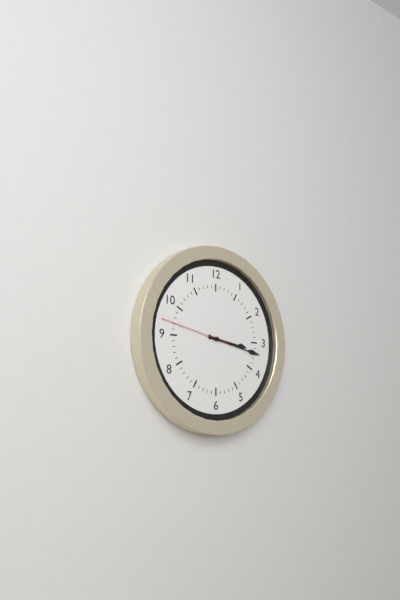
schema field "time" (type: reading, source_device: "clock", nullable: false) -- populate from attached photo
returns 3:17:47
